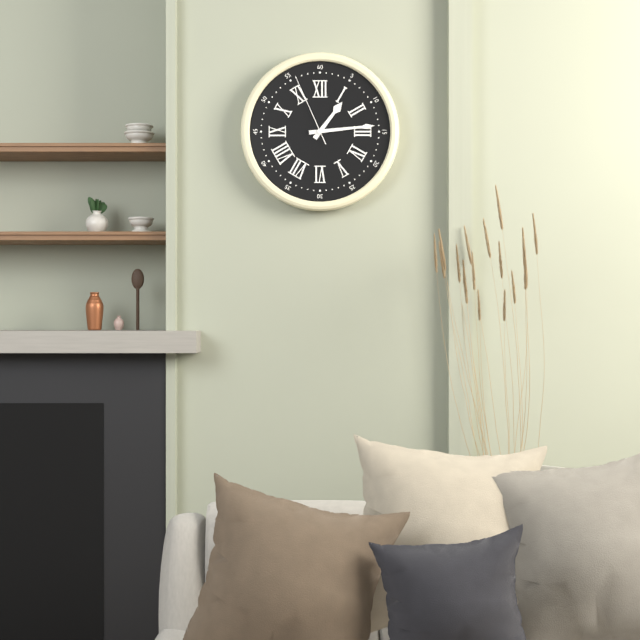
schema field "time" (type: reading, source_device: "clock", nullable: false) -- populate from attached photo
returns 1:14:56
